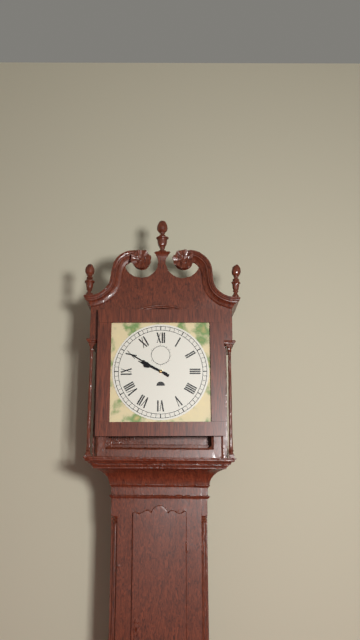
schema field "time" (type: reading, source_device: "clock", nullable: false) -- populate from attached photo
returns 9:50
